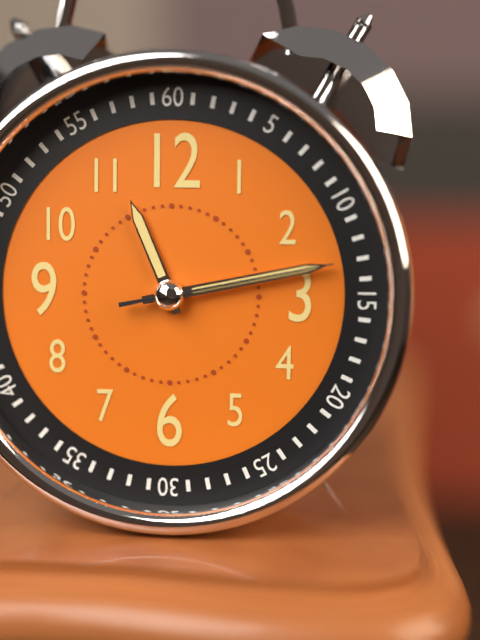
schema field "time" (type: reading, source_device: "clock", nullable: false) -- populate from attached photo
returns 11:13:13
